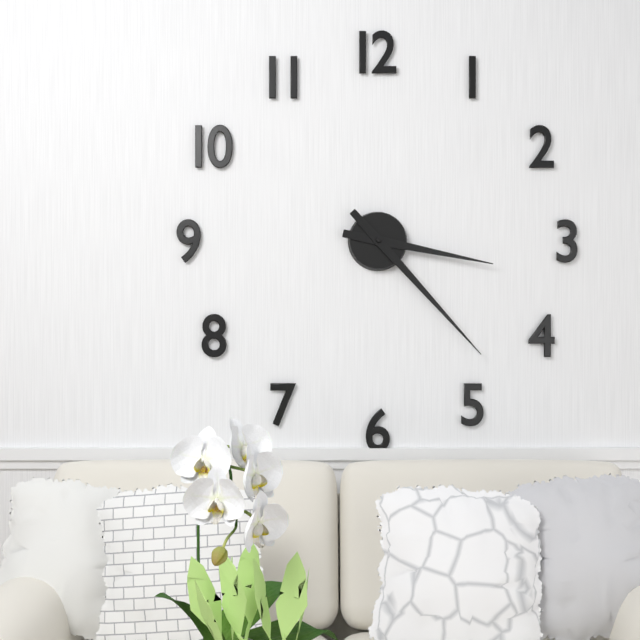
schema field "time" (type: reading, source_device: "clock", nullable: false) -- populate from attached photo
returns 3:23
